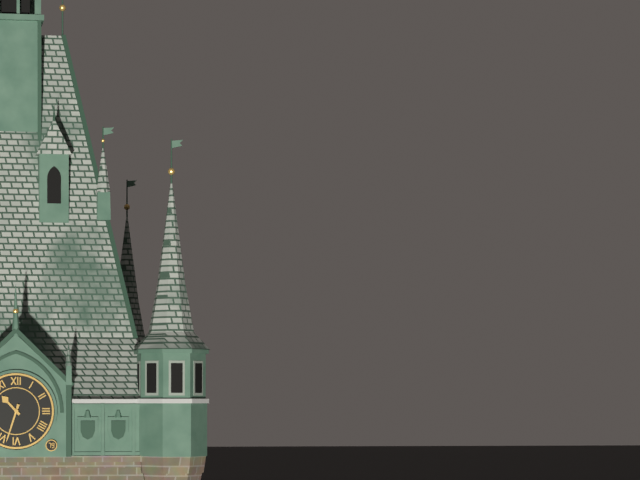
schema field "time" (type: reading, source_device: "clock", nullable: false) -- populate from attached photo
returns 10:33
